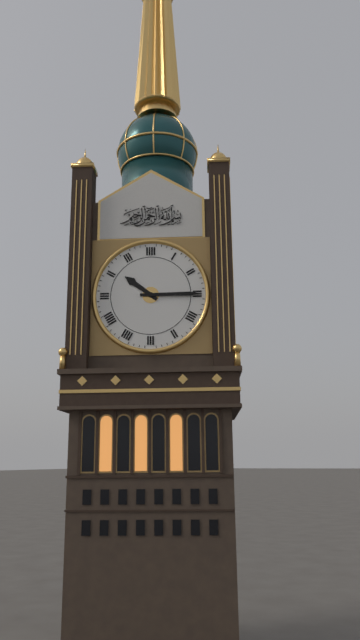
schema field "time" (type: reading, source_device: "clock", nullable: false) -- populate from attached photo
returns 10:15
